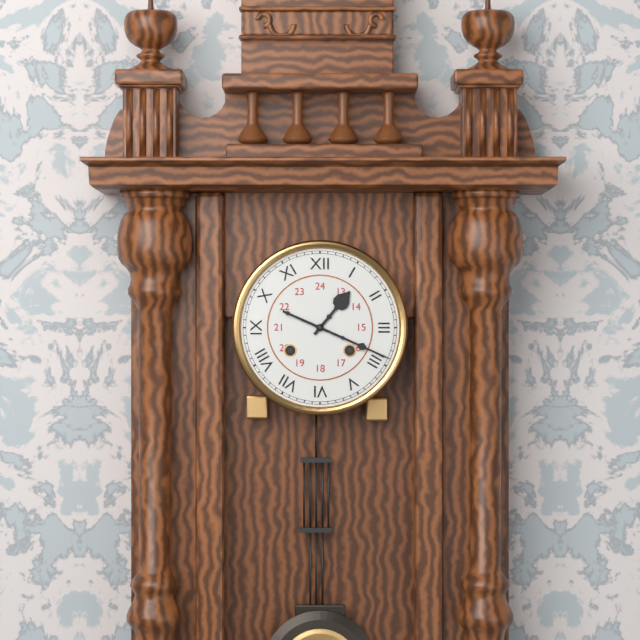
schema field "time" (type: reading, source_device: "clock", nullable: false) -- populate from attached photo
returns 1:19
